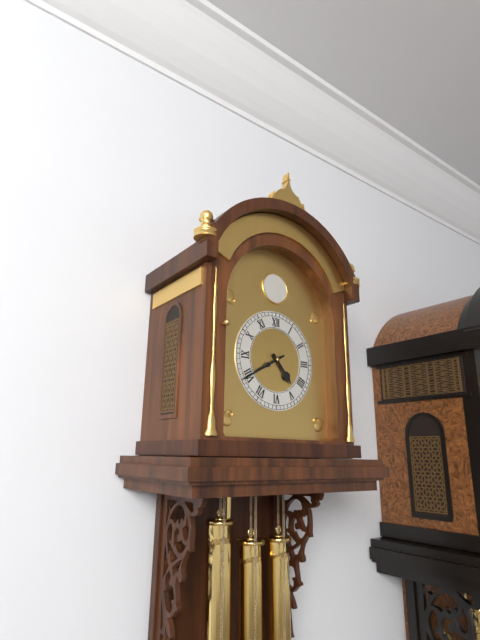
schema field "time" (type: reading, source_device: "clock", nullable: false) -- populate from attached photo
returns 4:40
